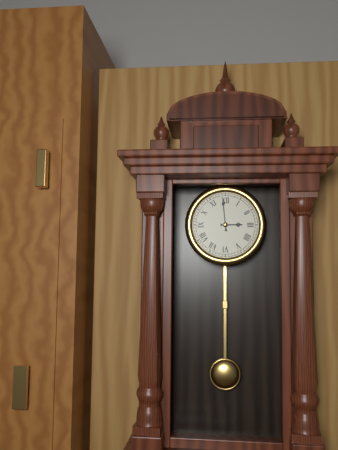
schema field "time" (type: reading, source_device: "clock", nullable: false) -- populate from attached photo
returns 2:59
